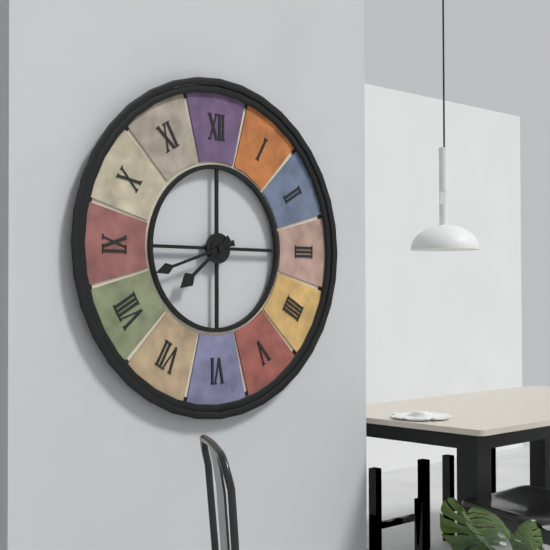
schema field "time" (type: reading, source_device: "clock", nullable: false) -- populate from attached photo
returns 7:42
